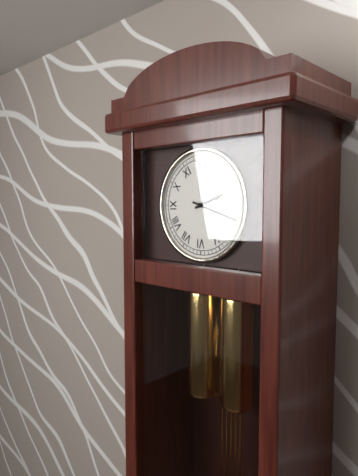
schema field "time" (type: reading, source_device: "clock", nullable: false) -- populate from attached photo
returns 2:18
